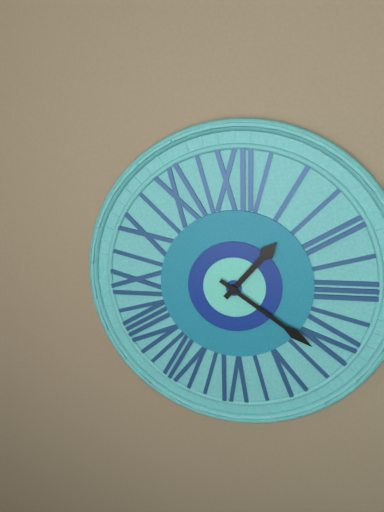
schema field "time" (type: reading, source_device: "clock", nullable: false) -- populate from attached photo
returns 1:21
